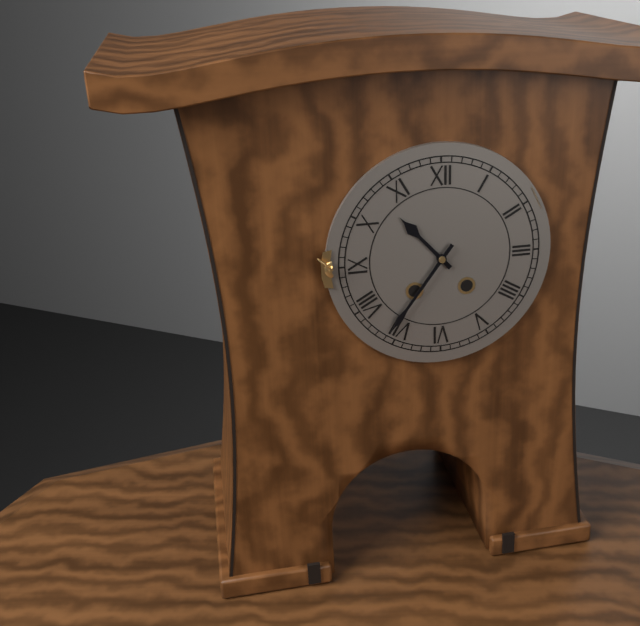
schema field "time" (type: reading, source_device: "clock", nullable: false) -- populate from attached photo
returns 10:36
